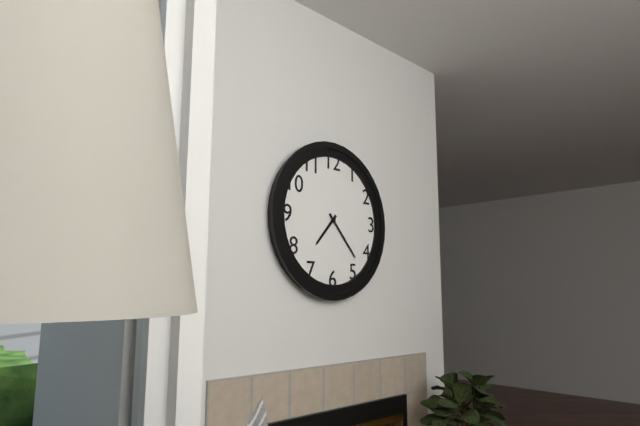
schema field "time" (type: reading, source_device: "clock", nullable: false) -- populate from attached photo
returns 7:23
